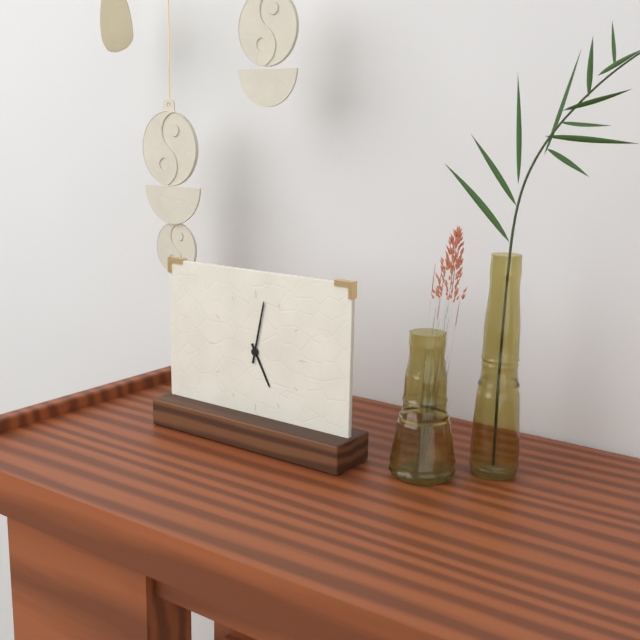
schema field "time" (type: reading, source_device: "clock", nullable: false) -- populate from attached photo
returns 5:02
